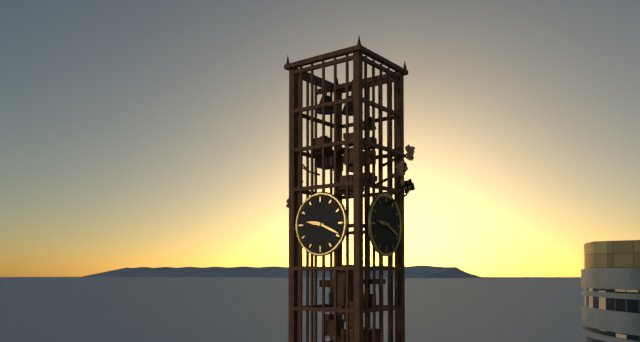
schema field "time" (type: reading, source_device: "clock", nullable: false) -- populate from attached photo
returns 9:19
